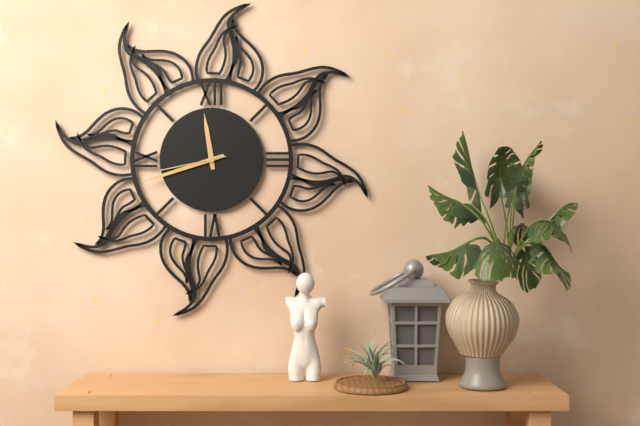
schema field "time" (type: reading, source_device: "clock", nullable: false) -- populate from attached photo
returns 11:42:43
